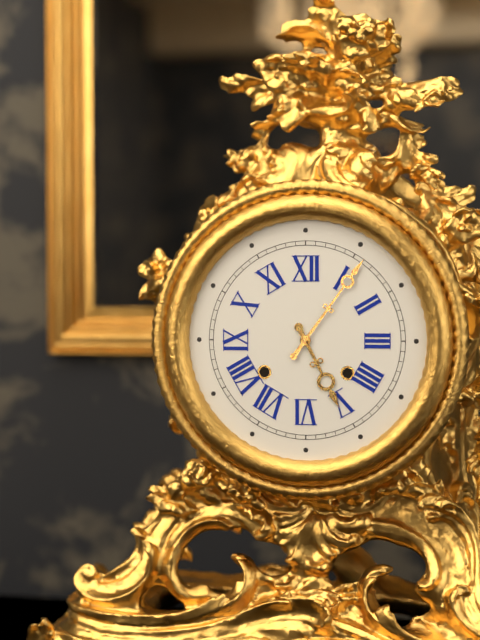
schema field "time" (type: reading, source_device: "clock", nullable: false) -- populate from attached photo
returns 5:06
